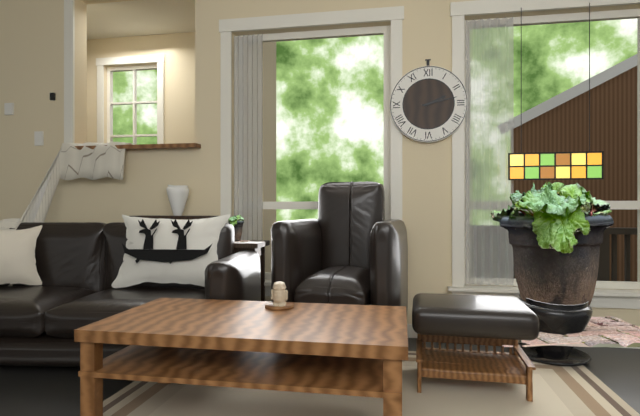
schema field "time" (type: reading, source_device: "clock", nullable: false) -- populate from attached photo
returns 2:13
